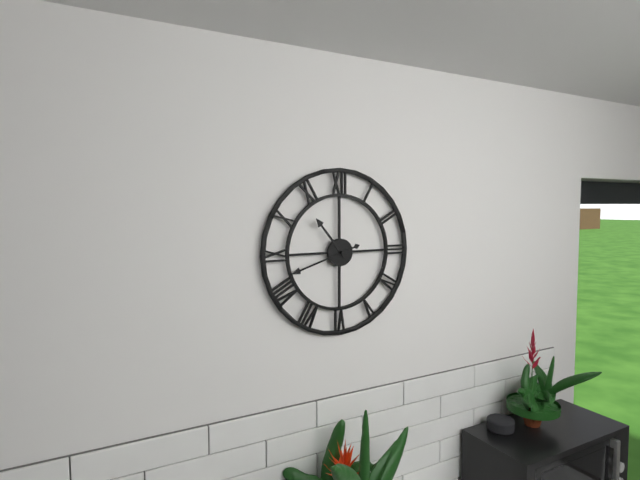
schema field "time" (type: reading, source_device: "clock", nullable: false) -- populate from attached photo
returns 10:42
